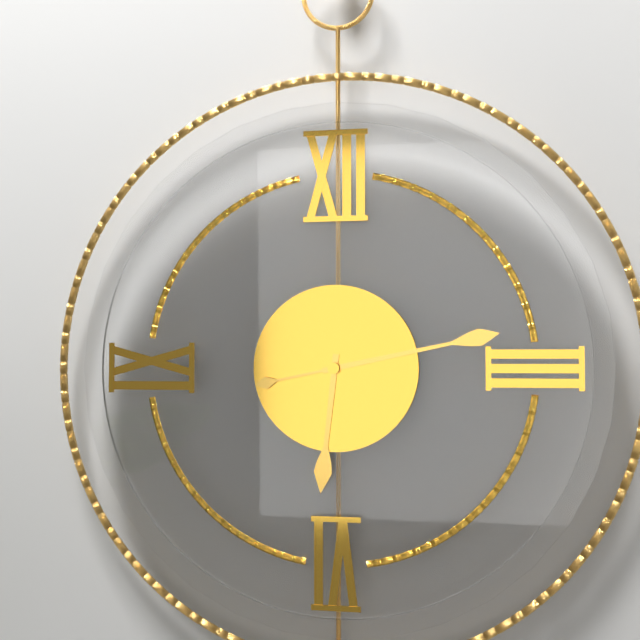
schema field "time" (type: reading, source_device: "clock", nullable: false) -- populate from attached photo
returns 6:13
